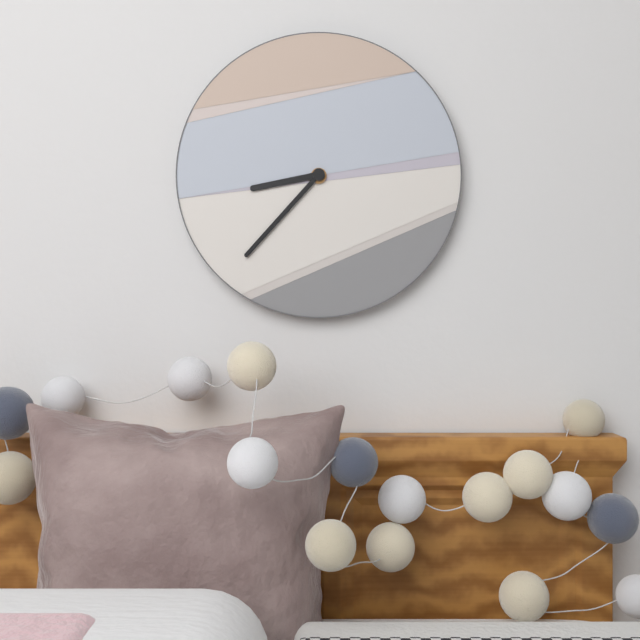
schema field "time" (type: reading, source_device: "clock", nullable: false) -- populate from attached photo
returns 8:37
